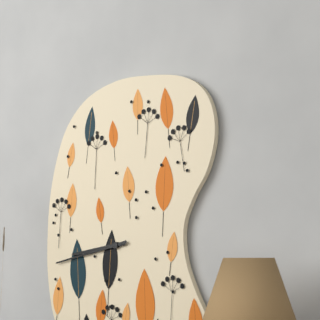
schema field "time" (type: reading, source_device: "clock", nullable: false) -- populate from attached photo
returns 8:43
